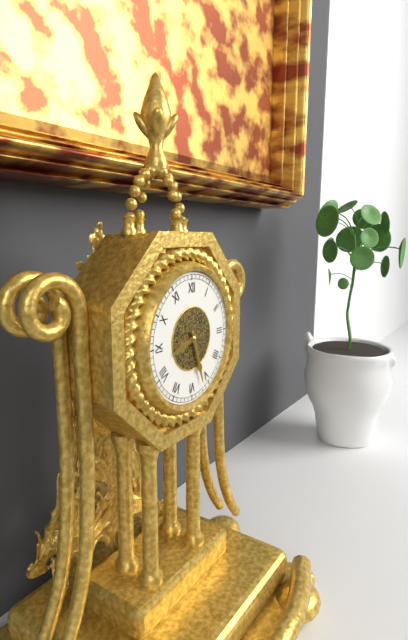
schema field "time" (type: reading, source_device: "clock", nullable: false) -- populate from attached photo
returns 8:27
